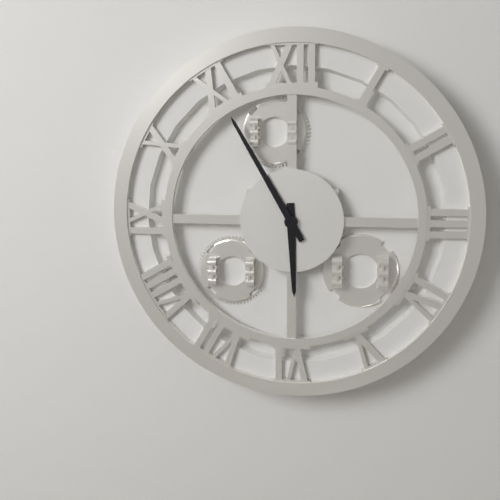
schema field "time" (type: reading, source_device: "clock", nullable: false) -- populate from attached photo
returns 5:55
